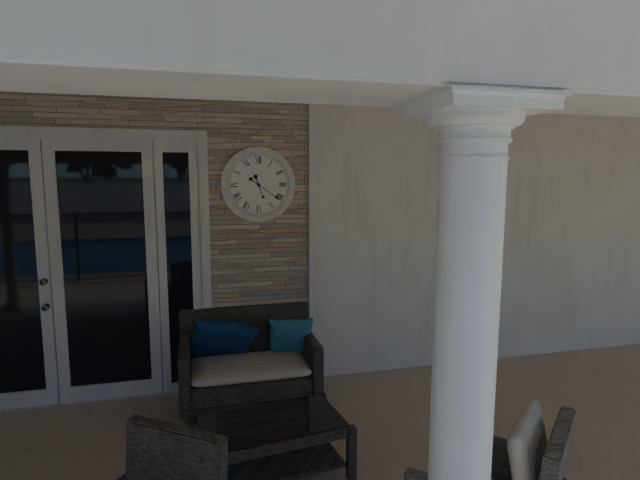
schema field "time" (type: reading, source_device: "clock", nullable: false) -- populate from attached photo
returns 5:21
